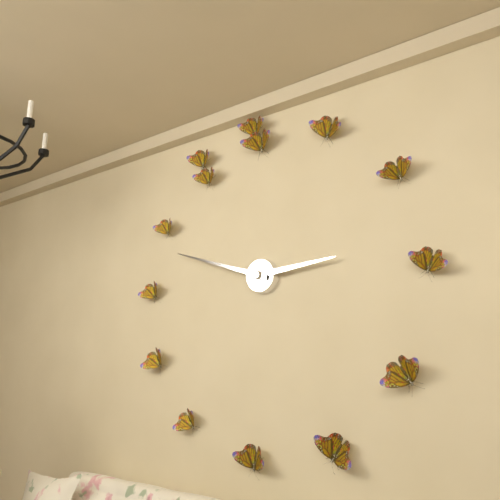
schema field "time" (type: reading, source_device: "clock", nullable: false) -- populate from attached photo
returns 2:48
